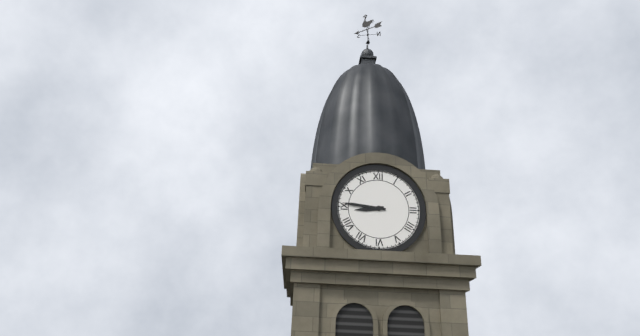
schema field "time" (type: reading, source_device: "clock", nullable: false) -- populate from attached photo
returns 8:46
